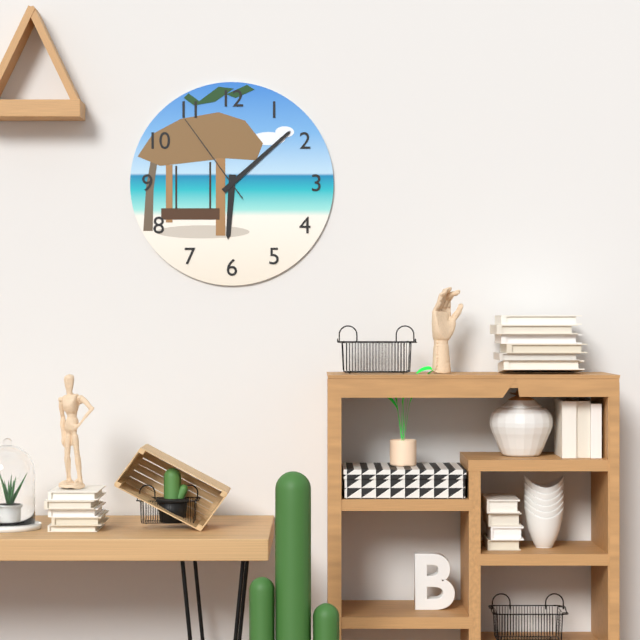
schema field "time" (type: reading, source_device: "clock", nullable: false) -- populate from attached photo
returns 6:08:54
